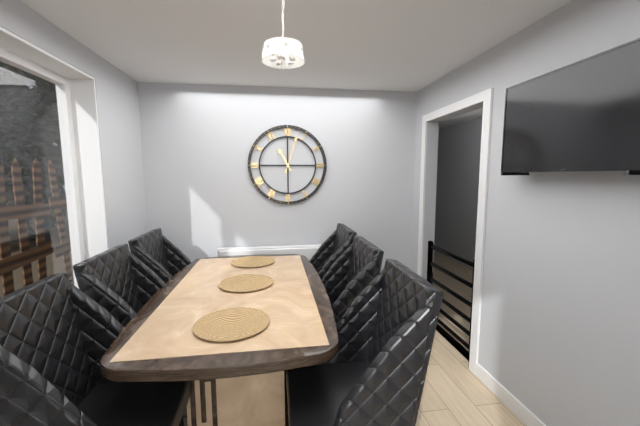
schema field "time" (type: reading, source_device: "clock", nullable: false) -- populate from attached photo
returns 11:03
